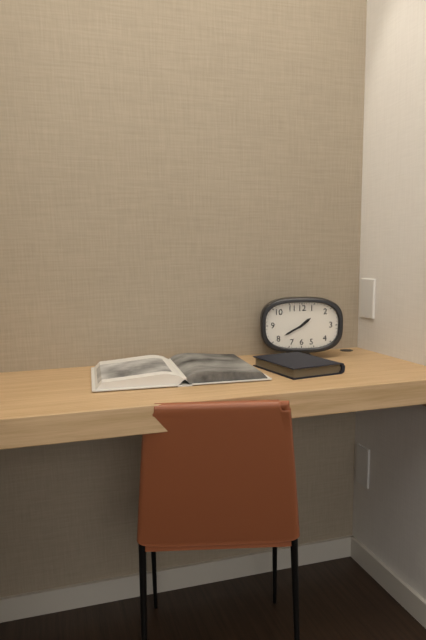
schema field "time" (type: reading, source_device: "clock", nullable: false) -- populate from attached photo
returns 1:40
